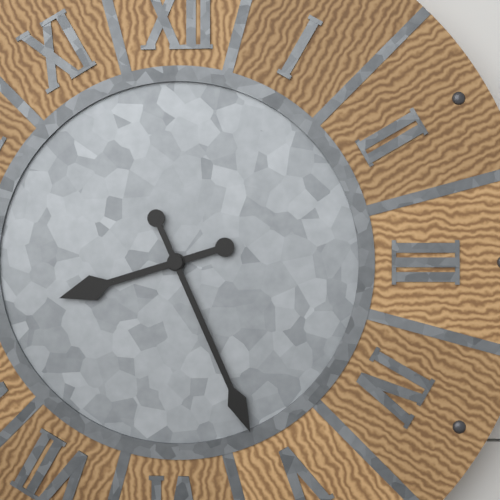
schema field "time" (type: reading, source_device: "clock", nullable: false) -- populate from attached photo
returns 8:26
